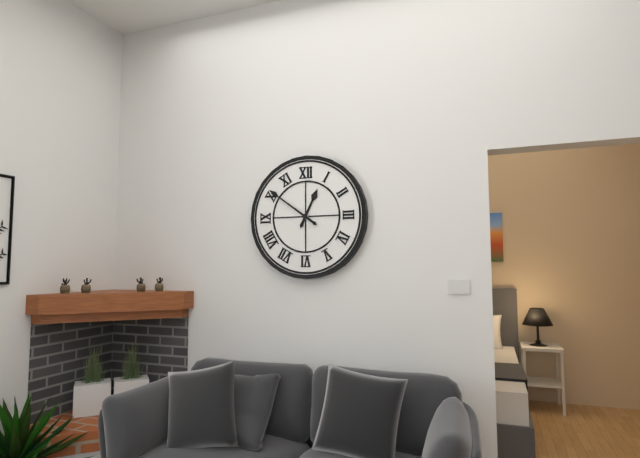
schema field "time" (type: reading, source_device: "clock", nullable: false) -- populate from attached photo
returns 12:51
